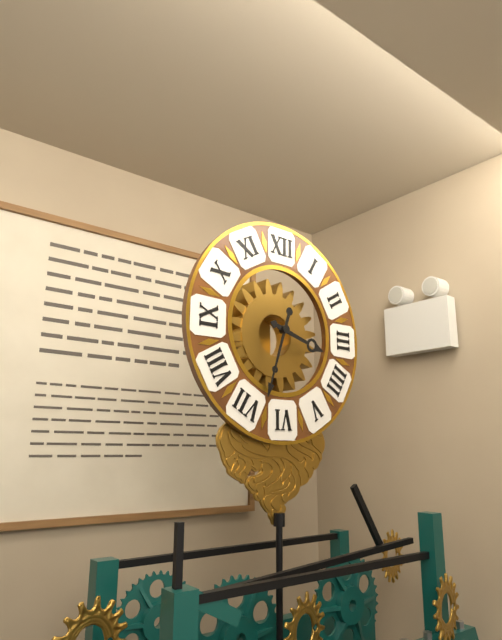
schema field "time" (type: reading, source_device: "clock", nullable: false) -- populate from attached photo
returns 3:33
